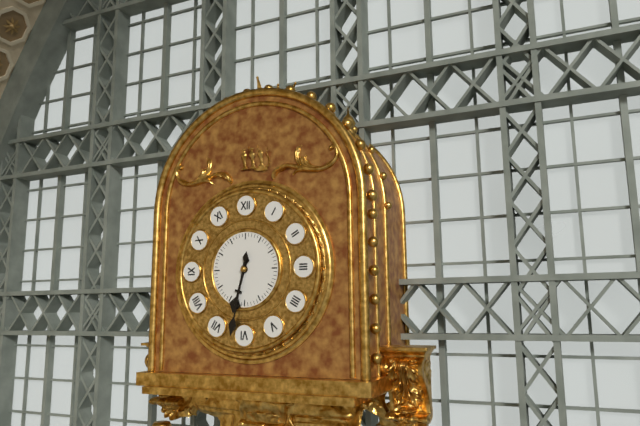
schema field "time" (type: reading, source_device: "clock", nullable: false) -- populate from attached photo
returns 6:32
